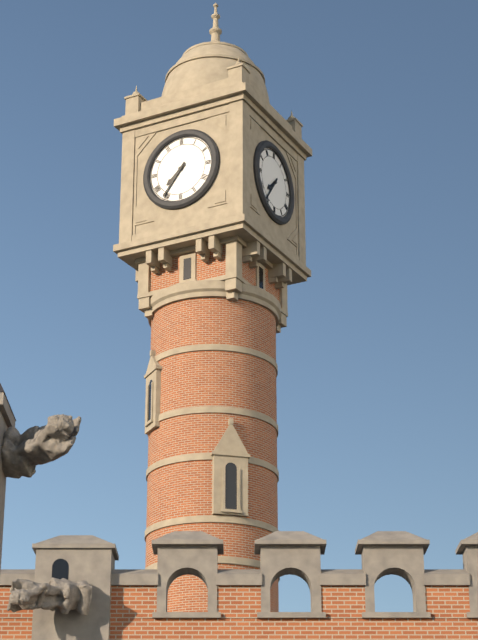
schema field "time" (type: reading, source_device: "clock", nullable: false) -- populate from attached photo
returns 7:36
